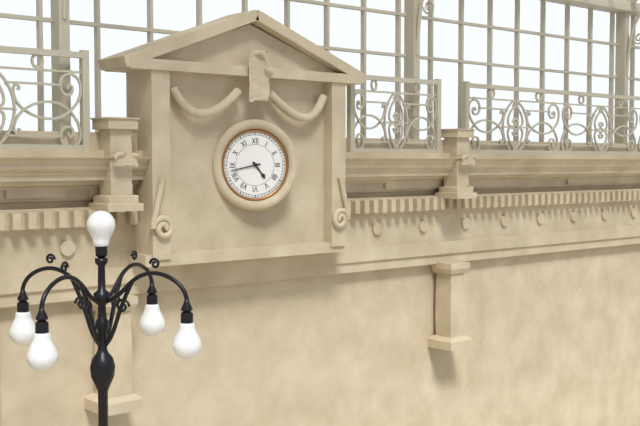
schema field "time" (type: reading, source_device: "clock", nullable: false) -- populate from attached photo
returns 4:43
